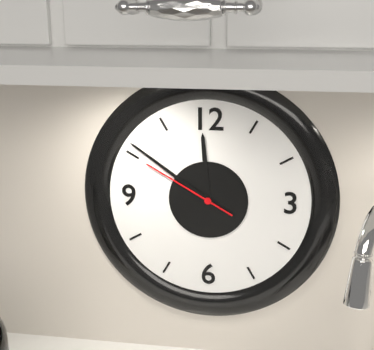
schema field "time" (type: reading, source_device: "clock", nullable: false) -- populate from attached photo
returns 11:51:50
